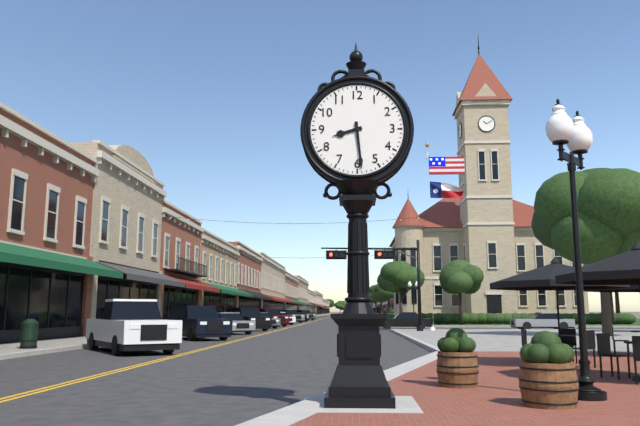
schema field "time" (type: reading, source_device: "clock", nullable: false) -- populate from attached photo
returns 8:29
